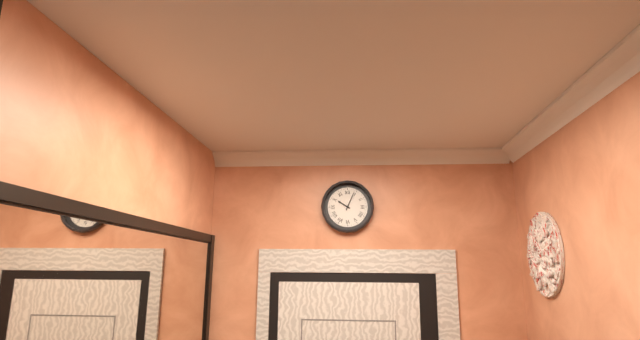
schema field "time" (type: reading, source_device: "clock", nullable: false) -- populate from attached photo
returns 10:04
